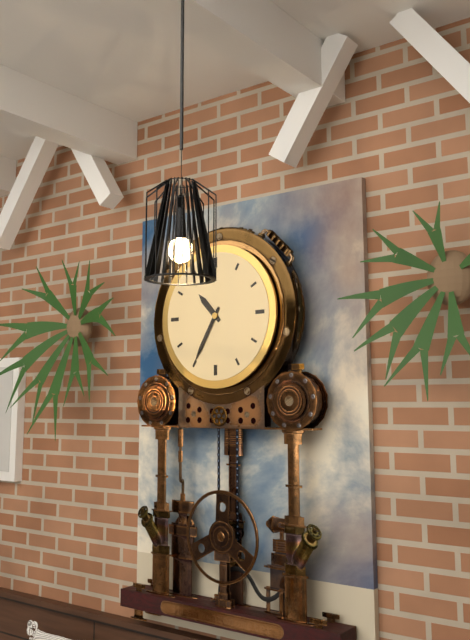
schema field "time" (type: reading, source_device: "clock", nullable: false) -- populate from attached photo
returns 10:35
